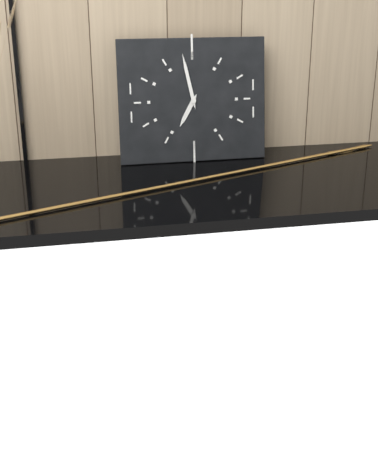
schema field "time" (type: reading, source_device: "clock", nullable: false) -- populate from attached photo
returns 6:58
